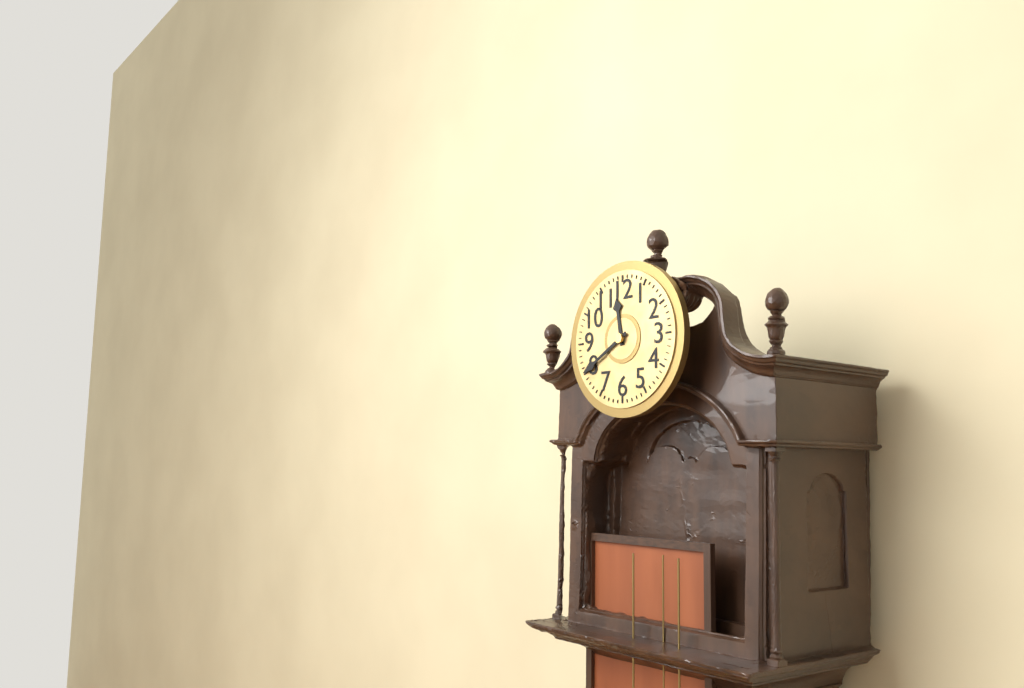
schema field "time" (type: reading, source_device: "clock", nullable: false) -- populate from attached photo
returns 11:40
